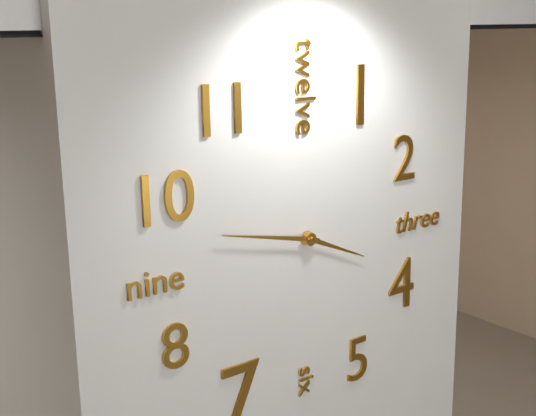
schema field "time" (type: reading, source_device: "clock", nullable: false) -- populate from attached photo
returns 3:47
